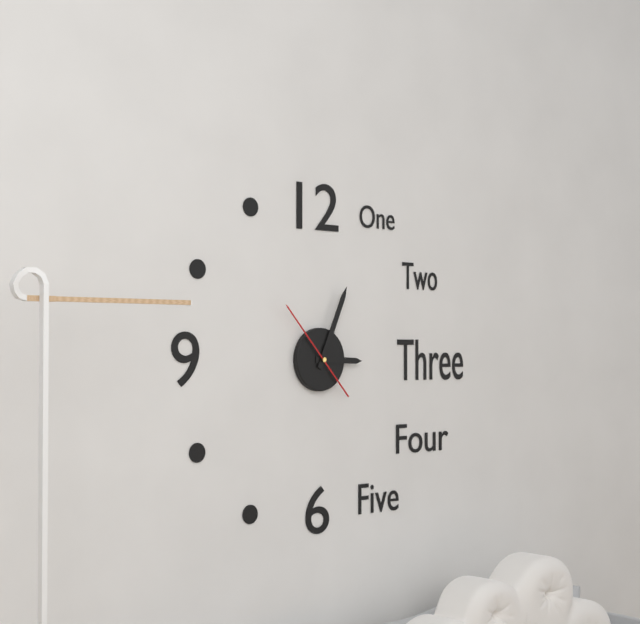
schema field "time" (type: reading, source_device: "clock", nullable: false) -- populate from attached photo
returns 3:04:53
